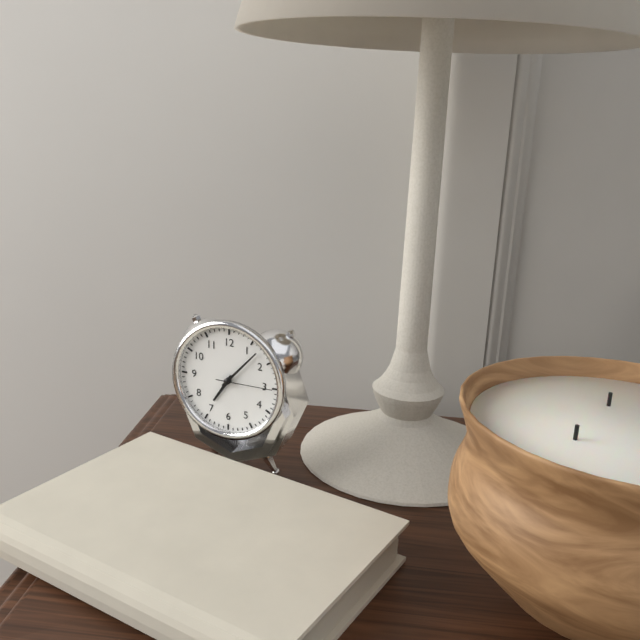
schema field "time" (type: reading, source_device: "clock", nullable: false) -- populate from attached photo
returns 7:07:15
